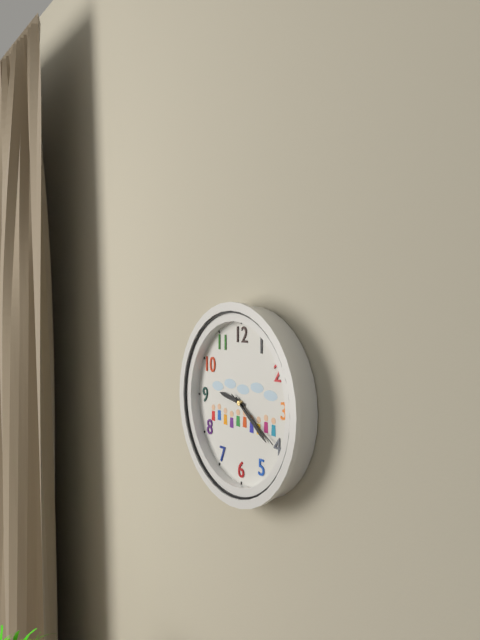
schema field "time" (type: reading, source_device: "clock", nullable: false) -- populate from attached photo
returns 9:21:20
